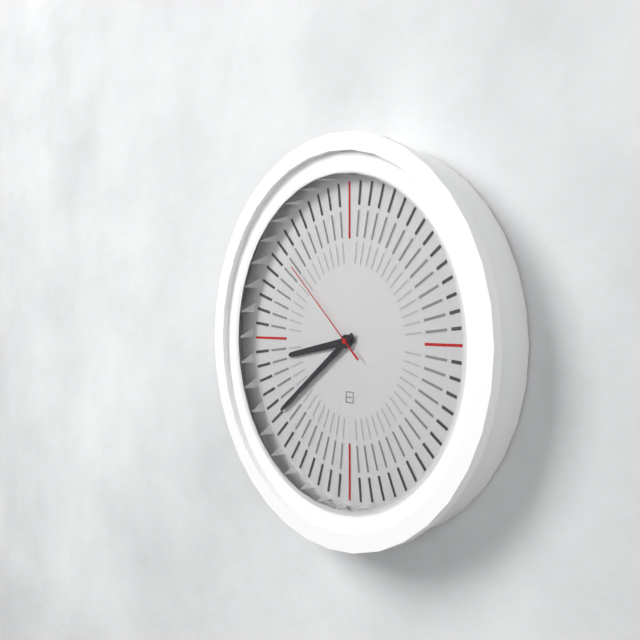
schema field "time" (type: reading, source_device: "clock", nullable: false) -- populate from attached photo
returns 8:39:52
